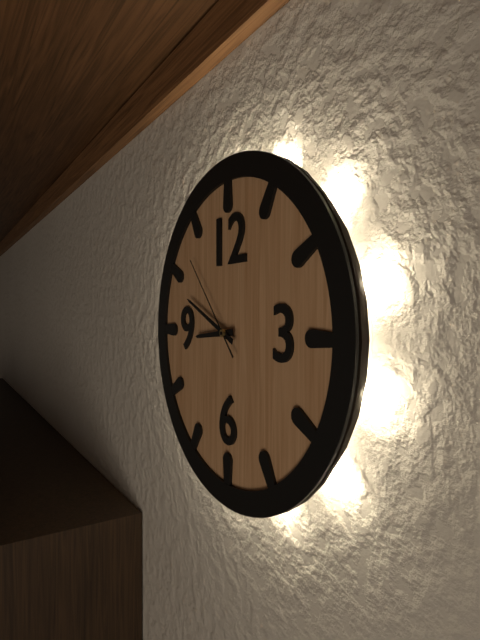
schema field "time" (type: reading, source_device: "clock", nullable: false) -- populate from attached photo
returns 8:49:53
